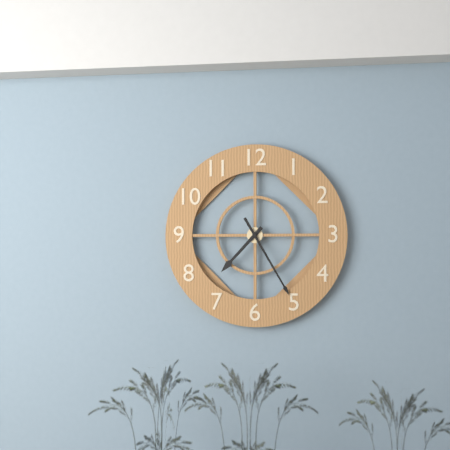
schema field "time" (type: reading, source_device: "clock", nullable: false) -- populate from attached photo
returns 7:25
